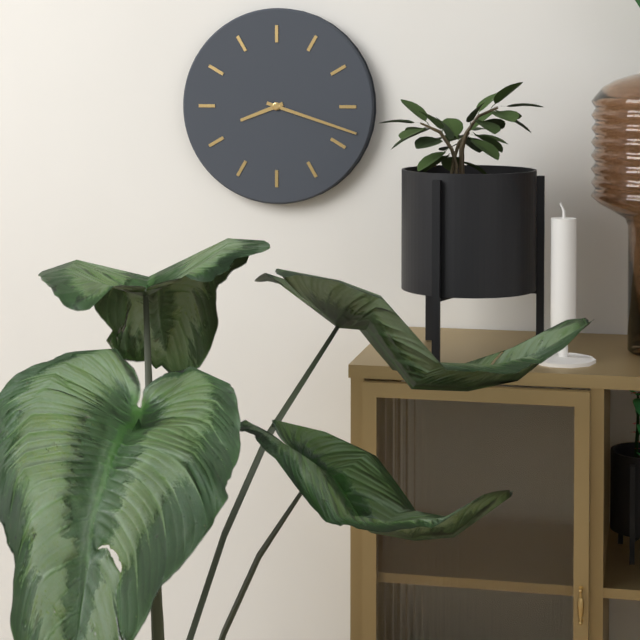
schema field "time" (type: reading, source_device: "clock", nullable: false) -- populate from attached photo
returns 8:18
